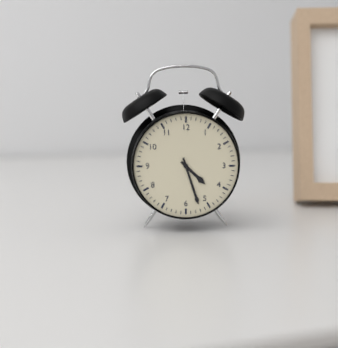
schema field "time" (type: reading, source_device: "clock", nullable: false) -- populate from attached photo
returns 4:27
